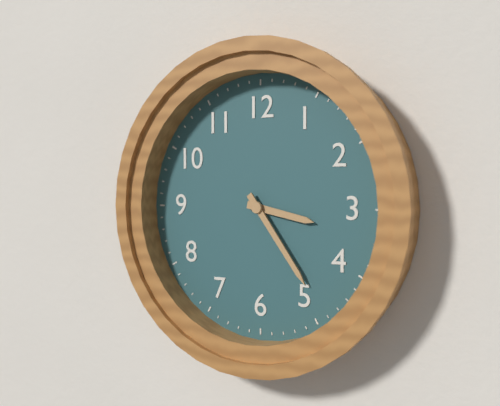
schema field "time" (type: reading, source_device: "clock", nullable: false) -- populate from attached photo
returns 3:24
